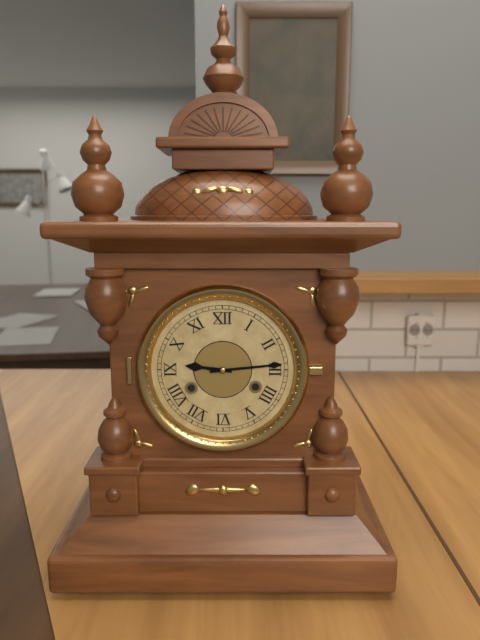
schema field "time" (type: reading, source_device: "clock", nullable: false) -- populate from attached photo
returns 9:14
